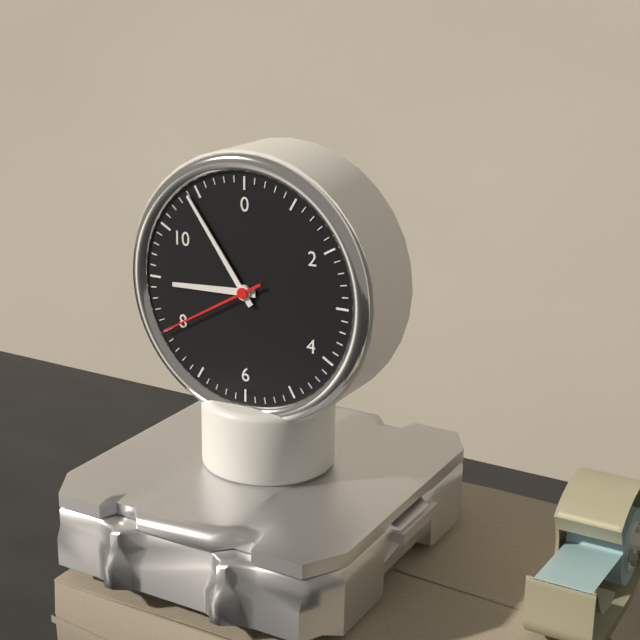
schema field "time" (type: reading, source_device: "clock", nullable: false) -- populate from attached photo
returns 8:54:40
